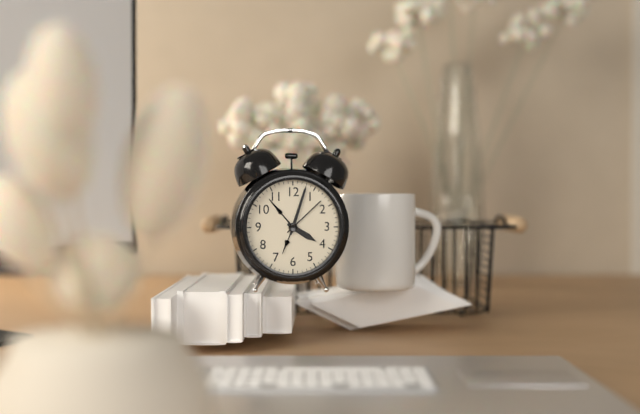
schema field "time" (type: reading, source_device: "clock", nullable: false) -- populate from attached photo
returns 4:03
